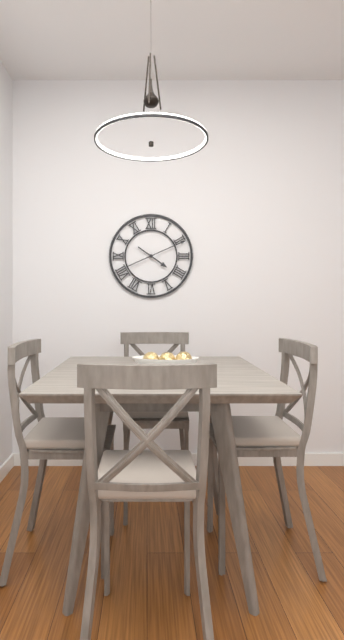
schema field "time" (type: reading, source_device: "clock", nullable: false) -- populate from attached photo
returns 4:11
